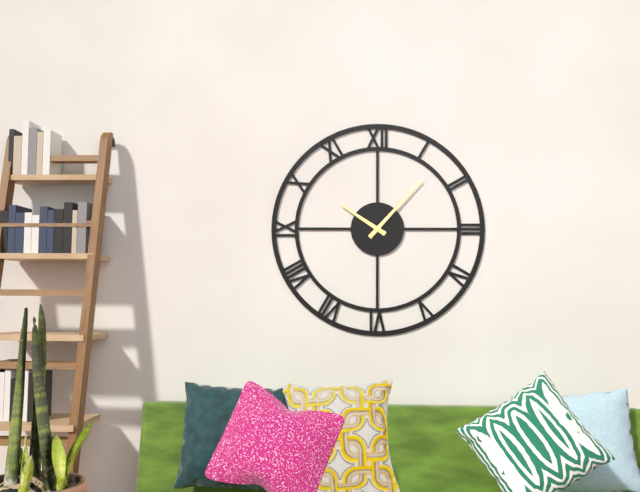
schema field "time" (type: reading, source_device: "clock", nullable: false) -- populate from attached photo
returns 10:07
